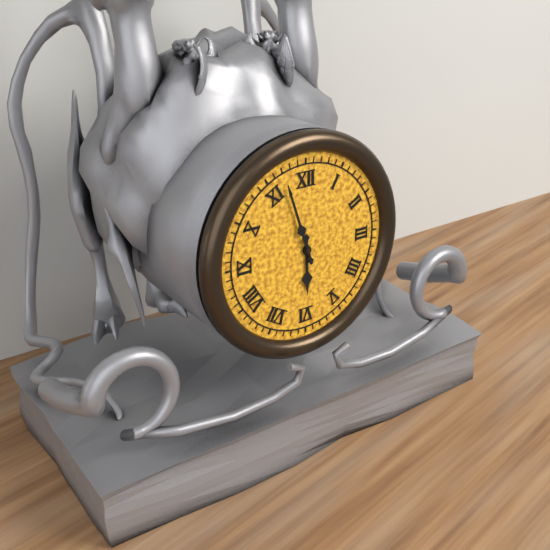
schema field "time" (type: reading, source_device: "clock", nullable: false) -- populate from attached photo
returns 5:57
